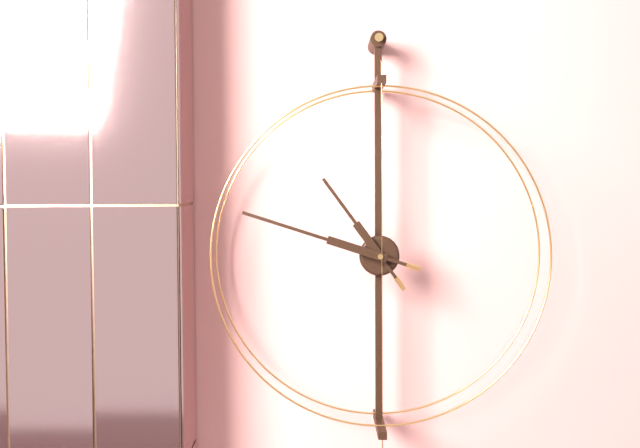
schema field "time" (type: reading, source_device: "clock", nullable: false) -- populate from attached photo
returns 10:48
